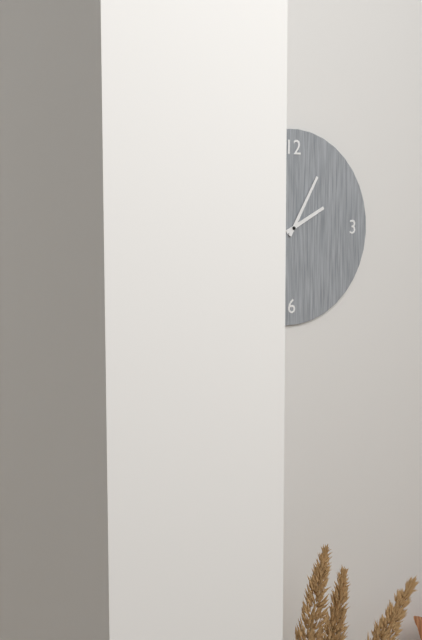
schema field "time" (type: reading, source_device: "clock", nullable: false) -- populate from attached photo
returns 2:05
